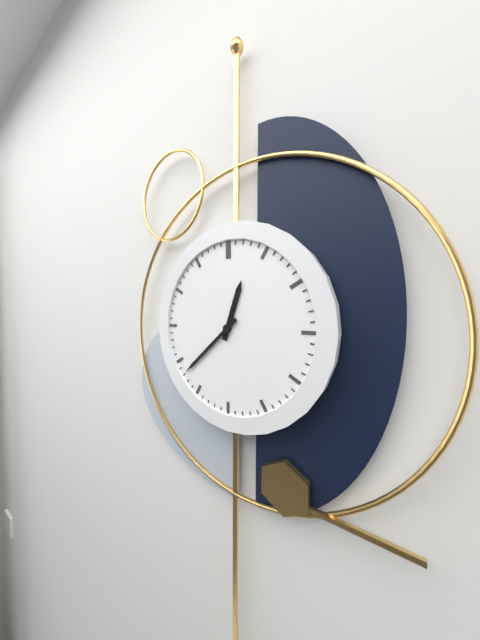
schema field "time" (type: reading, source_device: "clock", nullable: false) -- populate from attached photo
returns 12:38
